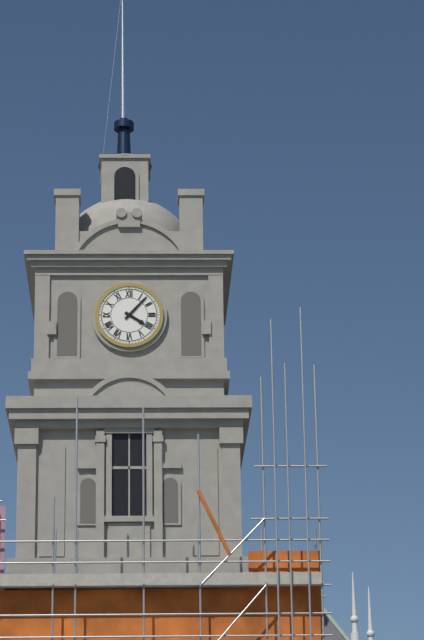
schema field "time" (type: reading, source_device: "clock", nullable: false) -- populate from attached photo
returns 4:07
